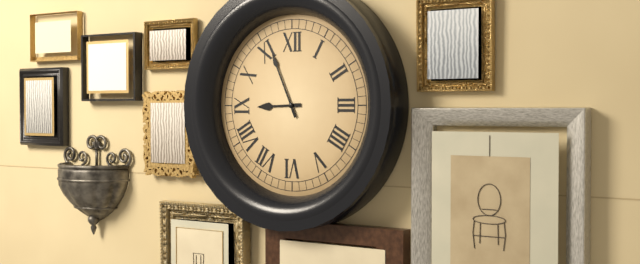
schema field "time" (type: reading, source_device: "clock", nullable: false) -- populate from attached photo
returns 8:56
